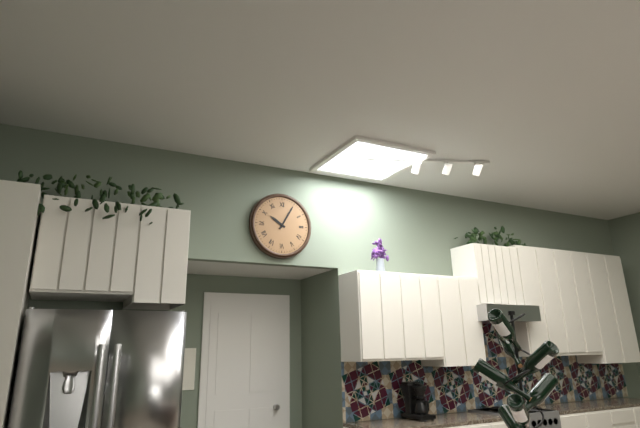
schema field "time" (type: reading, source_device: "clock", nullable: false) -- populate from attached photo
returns 10:05
